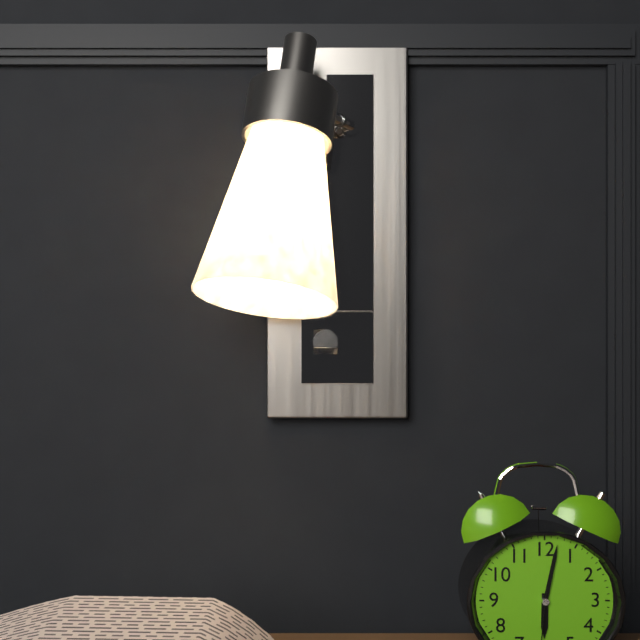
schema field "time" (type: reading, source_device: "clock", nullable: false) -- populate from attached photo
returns 6:02
